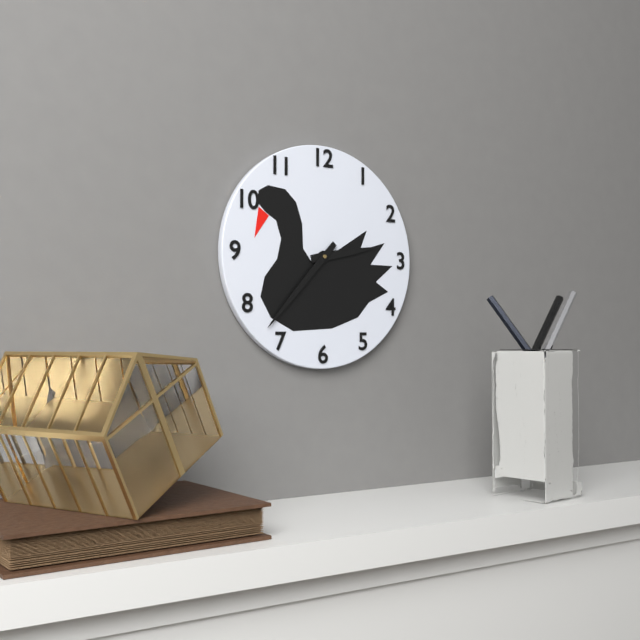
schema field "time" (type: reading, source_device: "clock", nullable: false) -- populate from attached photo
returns 2:37
